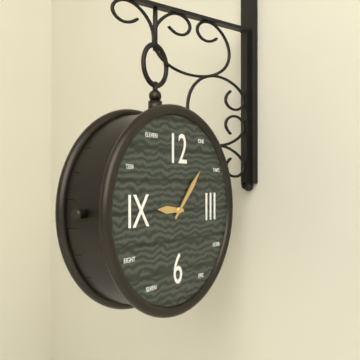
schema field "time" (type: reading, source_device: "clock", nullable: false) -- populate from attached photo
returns 9:07
